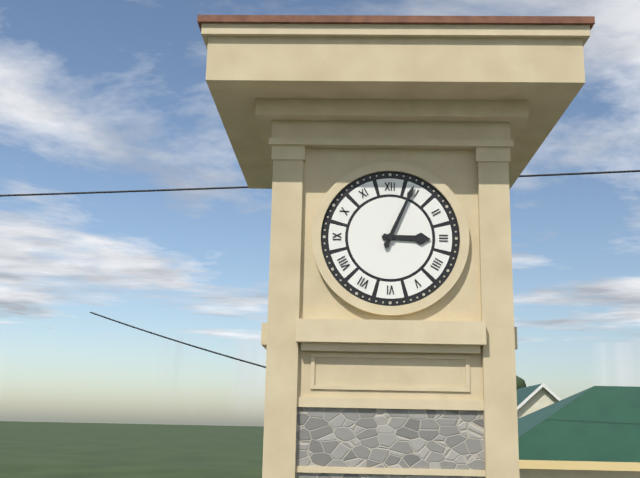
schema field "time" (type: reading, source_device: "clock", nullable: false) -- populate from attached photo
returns 3:04
